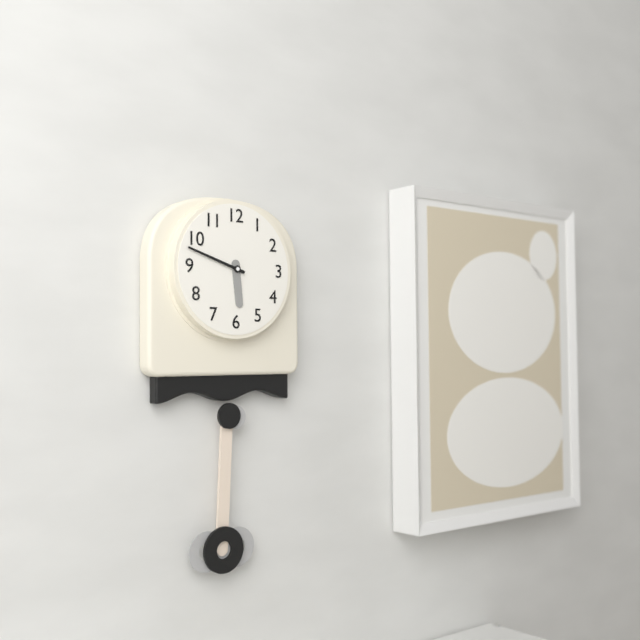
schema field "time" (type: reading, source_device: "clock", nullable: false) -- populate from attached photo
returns 5:48
